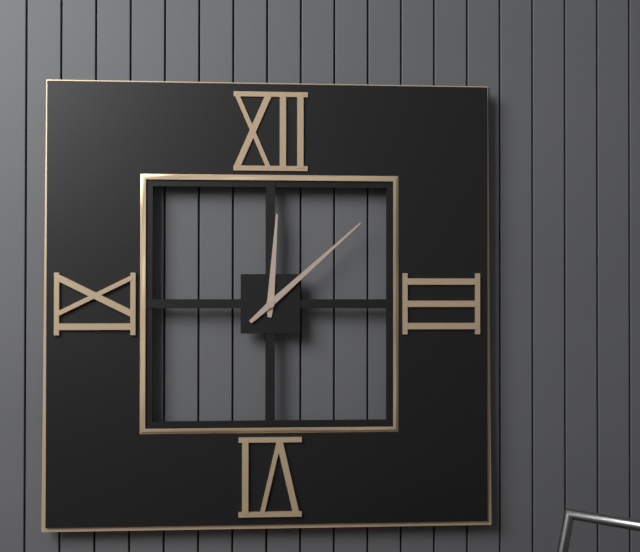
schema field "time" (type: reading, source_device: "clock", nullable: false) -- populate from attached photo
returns 12:08
